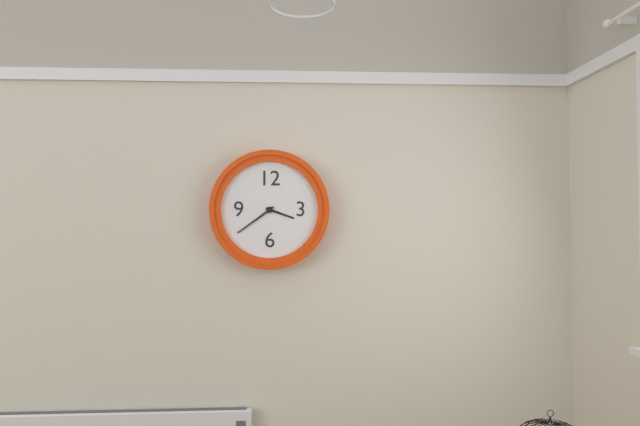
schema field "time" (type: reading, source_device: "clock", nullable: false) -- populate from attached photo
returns 3:39
